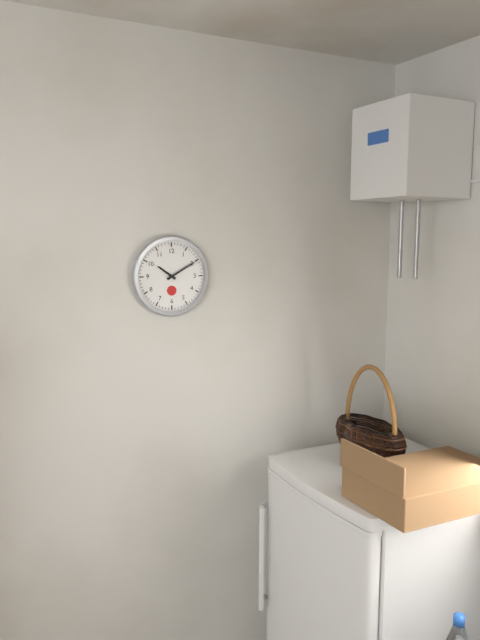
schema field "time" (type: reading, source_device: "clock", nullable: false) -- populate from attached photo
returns 10:10
